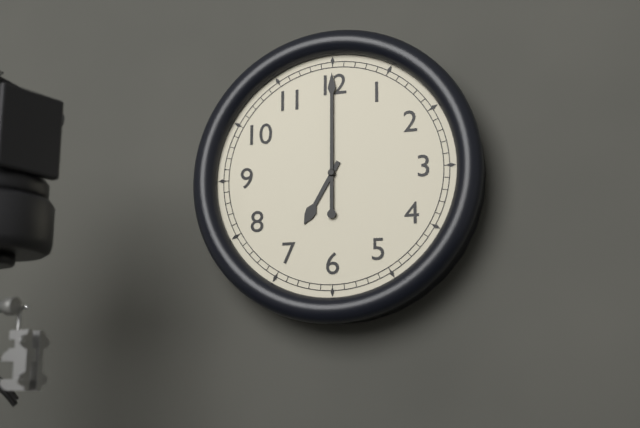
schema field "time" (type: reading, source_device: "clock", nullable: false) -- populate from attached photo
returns 7:00
